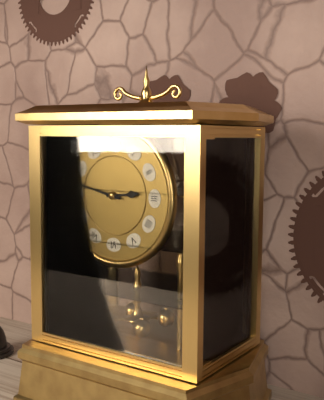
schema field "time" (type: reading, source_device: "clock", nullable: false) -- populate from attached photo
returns 2:47
